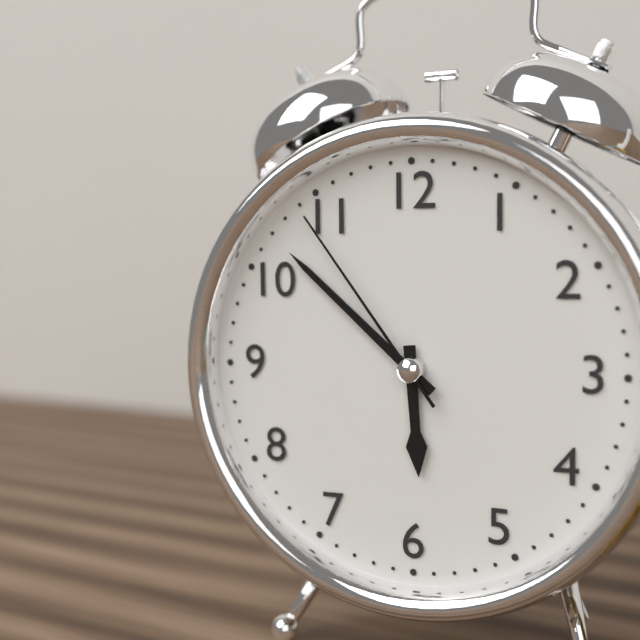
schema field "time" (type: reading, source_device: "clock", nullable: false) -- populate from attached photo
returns 5:52:54
